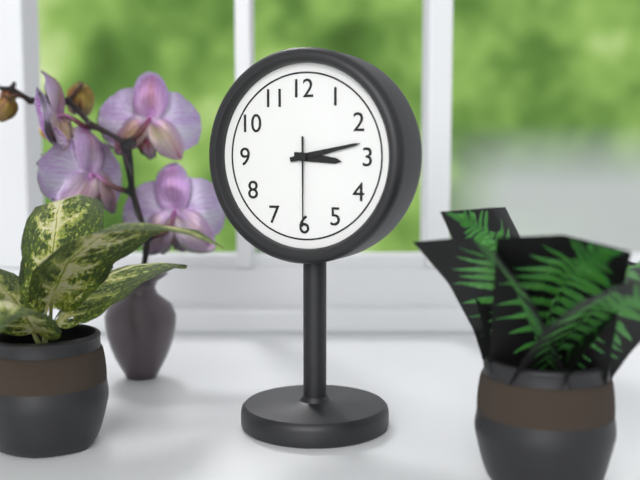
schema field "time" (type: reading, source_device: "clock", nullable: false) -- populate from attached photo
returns 3:13:30
